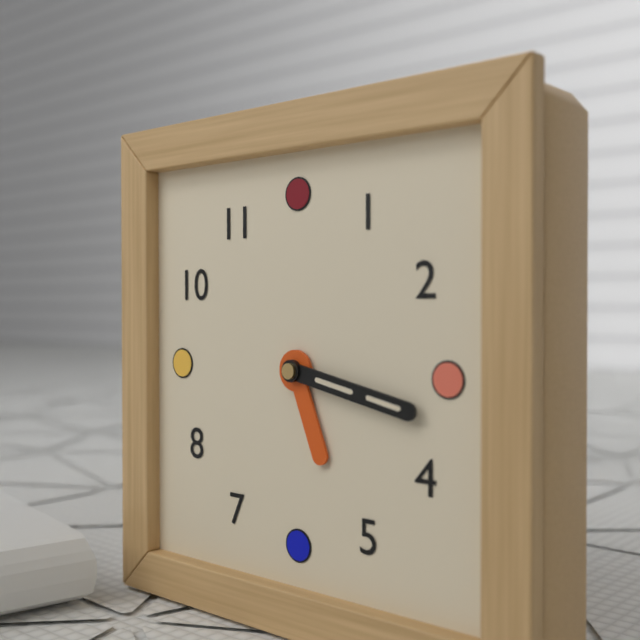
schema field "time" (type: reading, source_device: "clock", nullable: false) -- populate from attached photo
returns 5:17
